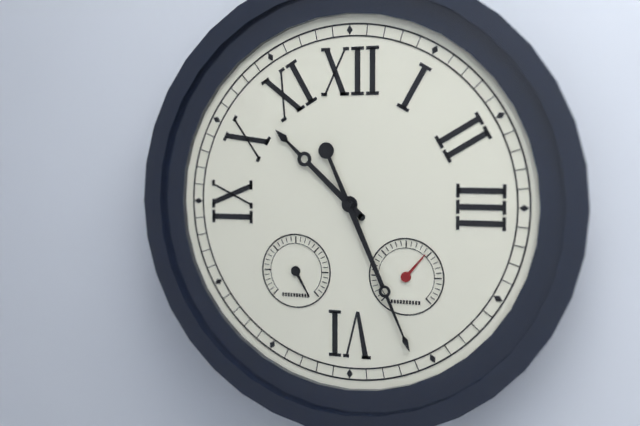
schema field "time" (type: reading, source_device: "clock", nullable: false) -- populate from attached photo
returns 10:26
